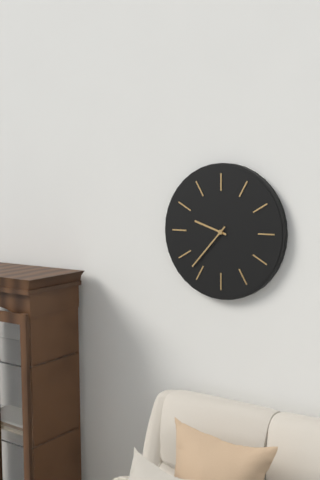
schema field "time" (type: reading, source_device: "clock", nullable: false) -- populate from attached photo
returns 9:37
